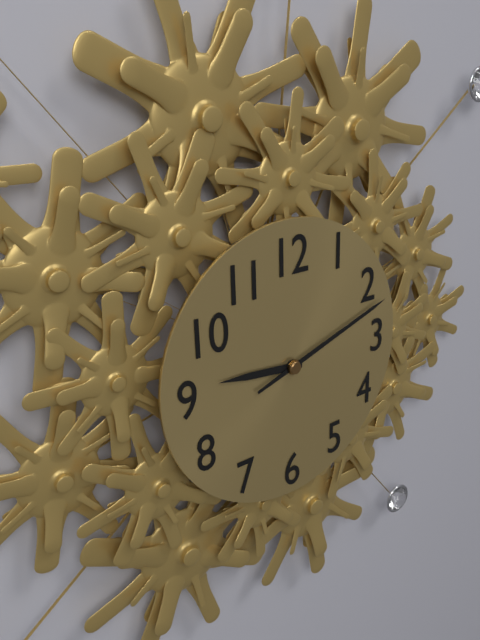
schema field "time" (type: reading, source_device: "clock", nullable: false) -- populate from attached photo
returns 9:12
